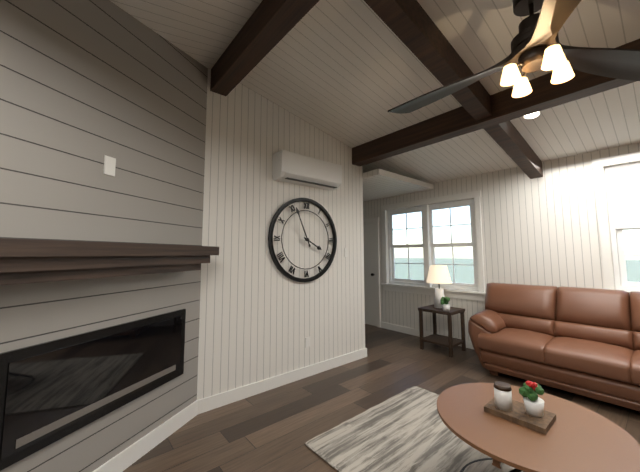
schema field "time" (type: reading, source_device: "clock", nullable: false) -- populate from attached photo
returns 3:56
